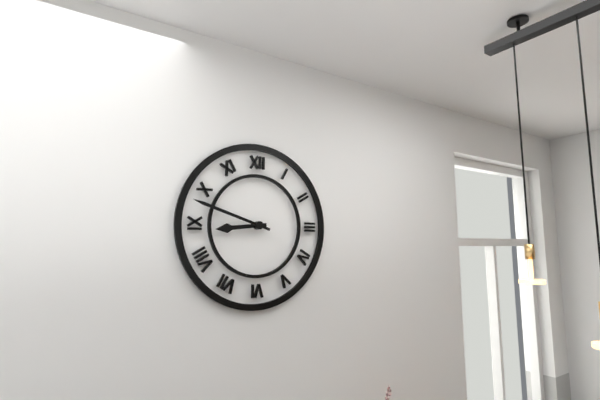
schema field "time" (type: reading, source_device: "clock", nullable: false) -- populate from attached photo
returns 8:48
